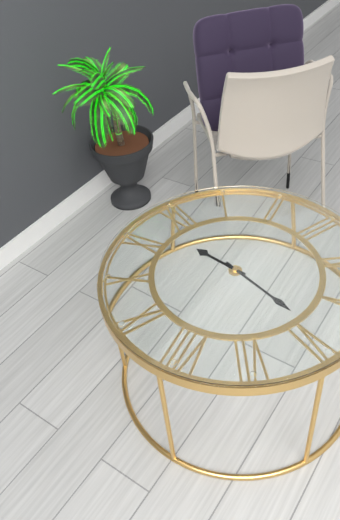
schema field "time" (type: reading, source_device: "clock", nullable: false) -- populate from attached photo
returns 11:29
